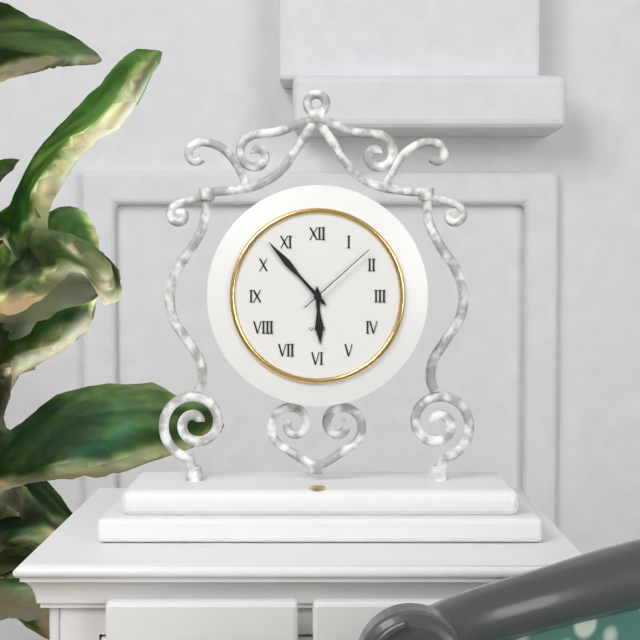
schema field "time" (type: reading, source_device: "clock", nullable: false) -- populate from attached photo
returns 5:53:08
